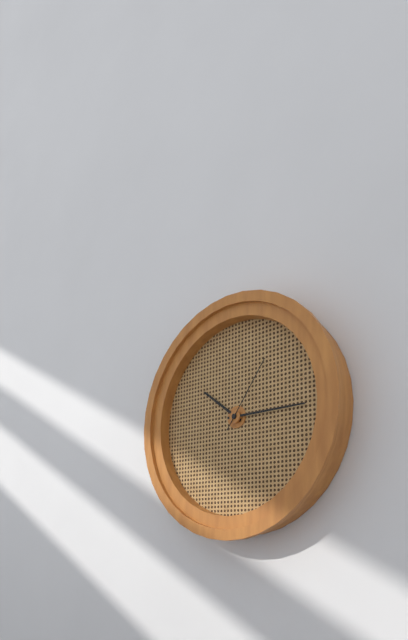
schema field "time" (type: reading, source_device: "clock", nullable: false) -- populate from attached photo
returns 10:15:06
